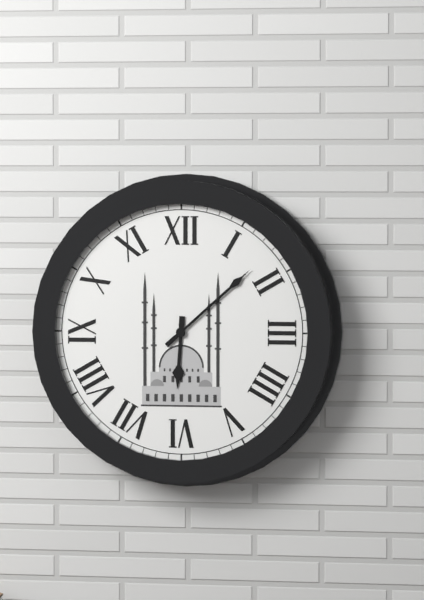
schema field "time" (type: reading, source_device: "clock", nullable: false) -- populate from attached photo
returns 6:08
